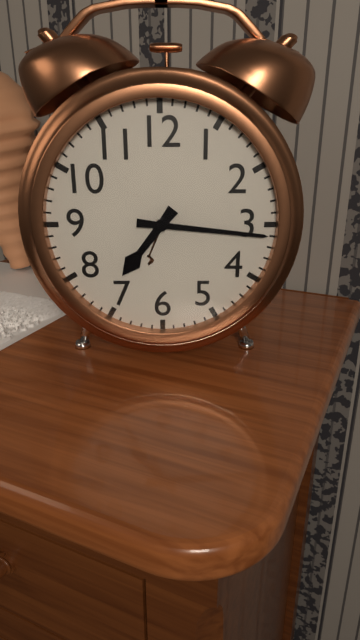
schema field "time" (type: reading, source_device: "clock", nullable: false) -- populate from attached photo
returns 7:16
